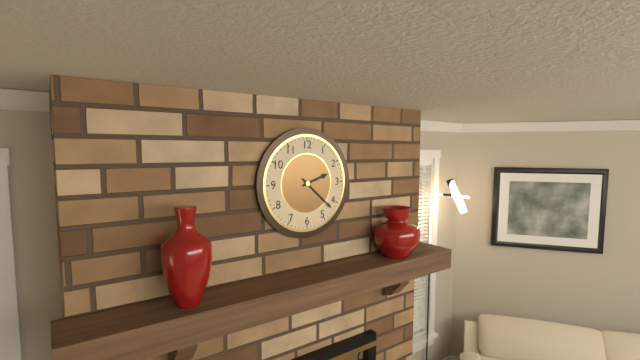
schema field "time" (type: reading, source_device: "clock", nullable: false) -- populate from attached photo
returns 2:22
